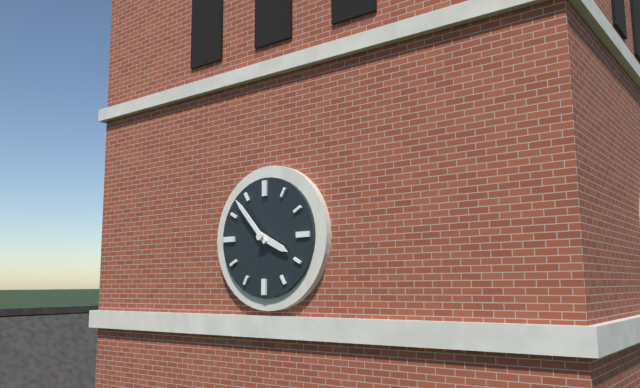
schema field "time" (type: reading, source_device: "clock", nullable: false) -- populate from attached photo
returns 3:53
